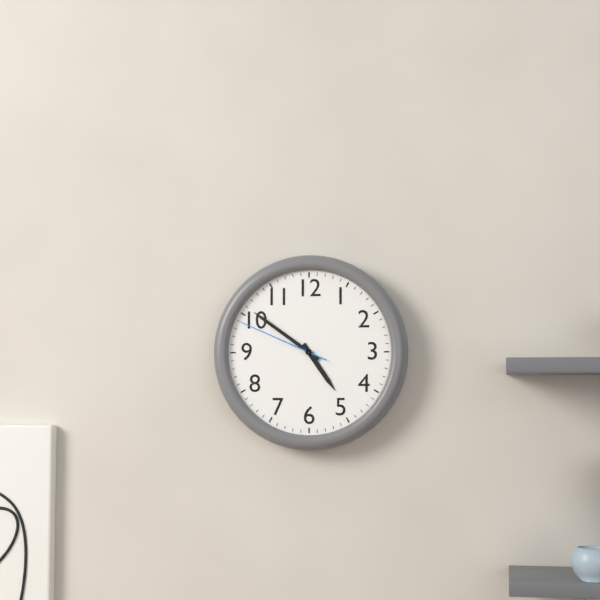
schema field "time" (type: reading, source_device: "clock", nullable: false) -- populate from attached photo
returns 4:51:49
